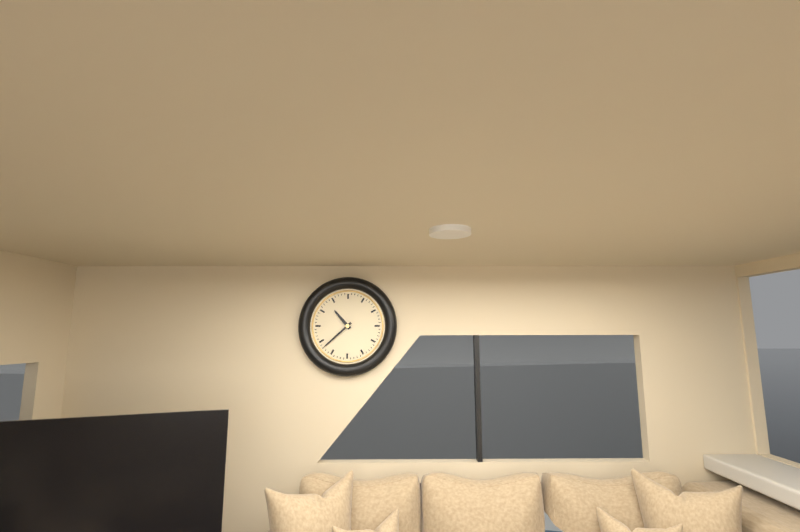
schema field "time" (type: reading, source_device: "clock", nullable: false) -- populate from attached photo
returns 10:38
